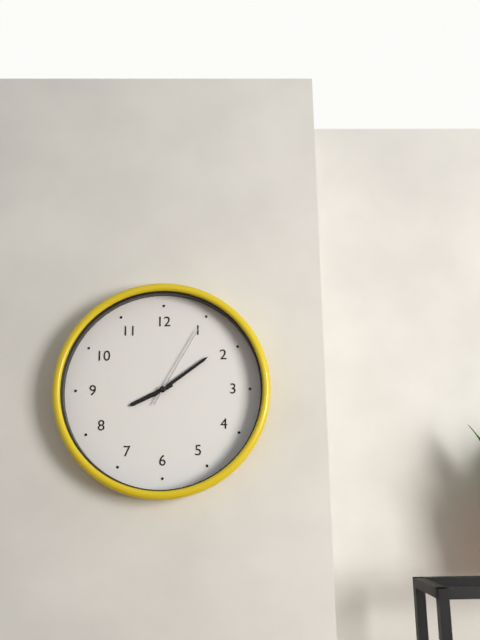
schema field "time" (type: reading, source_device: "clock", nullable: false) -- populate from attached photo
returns 8:09:05
